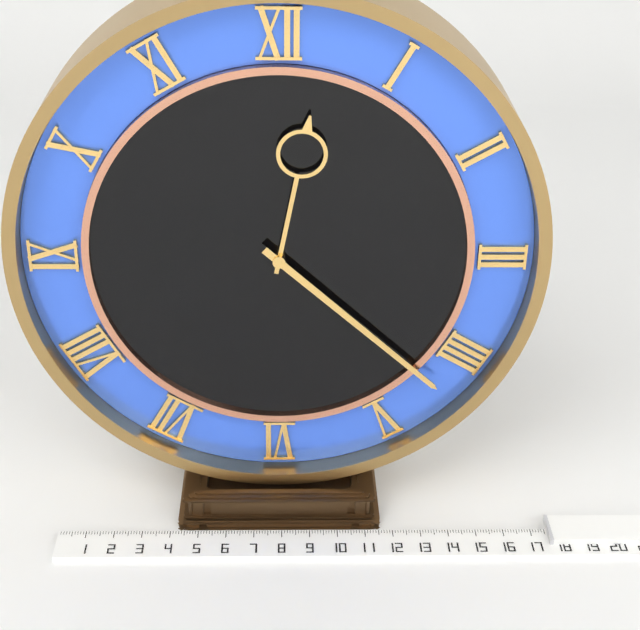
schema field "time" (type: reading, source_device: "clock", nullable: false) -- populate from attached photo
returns 12:22
